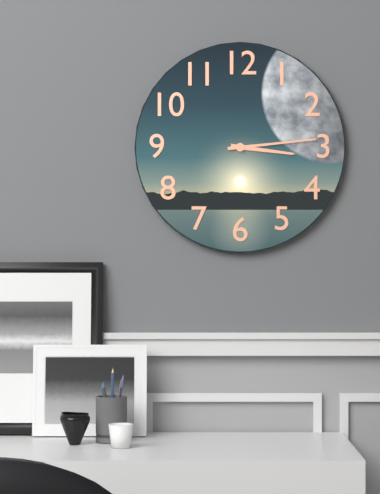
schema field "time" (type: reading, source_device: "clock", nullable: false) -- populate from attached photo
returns 3:14
